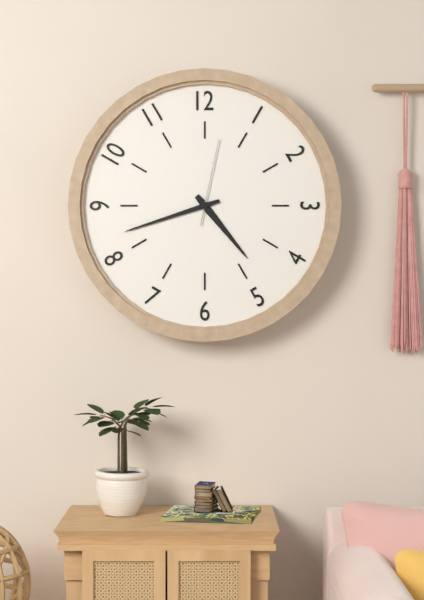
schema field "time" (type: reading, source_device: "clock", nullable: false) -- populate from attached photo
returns 4:42:02
